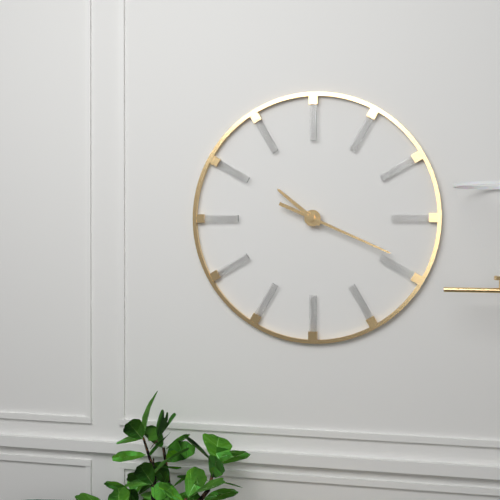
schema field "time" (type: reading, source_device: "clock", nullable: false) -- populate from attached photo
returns 10:19
